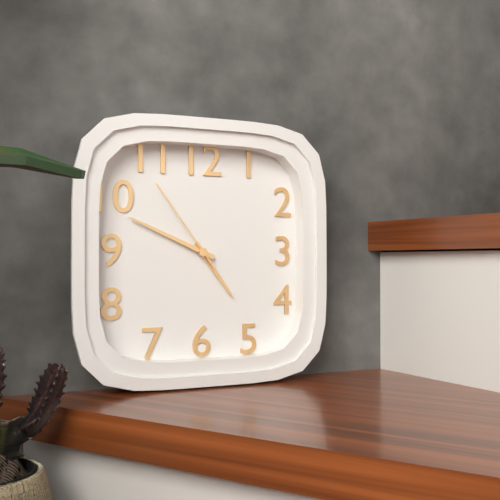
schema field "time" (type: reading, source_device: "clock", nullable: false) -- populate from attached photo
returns 4:49:54
